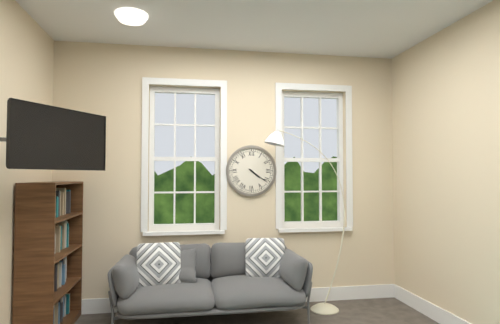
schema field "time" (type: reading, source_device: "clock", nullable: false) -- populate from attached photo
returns 4:21
